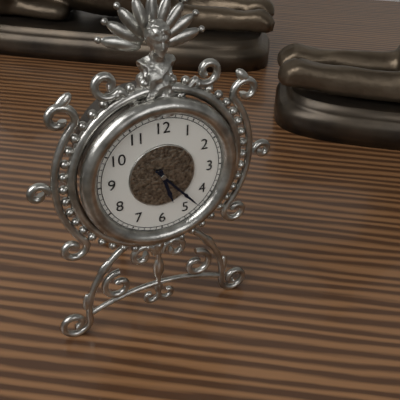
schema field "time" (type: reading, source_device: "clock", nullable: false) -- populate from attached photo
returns 5:23
